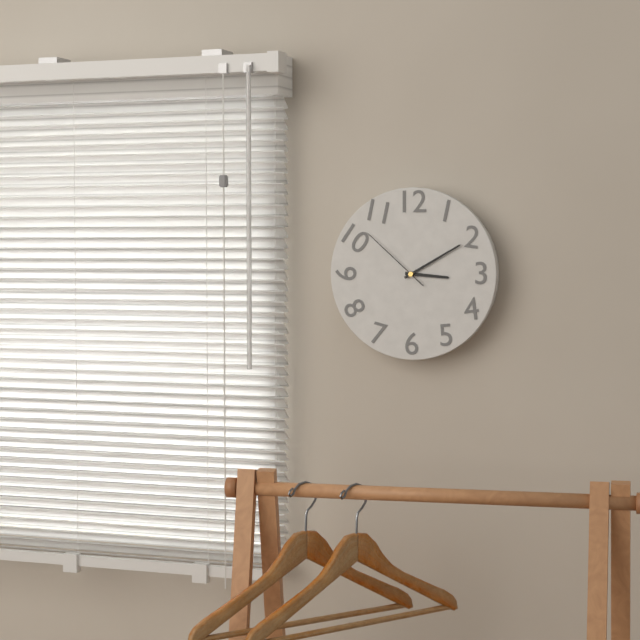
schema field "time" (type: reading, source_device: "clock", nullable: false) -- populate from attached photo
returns 3:10:52
